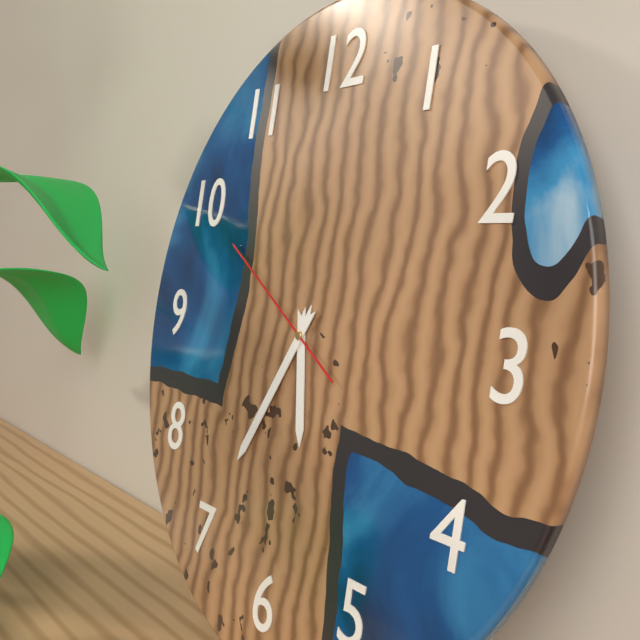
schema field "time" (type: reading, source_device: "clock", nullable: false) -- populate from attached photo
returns 5:35:50
